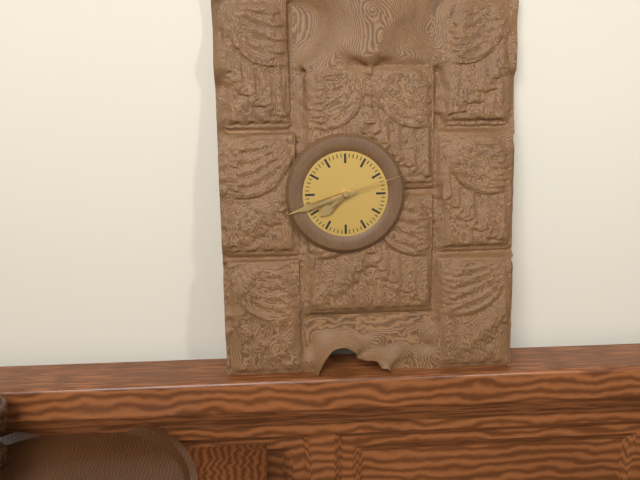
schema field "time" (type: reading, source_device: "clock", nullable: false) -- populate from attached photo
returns 7:42:12
